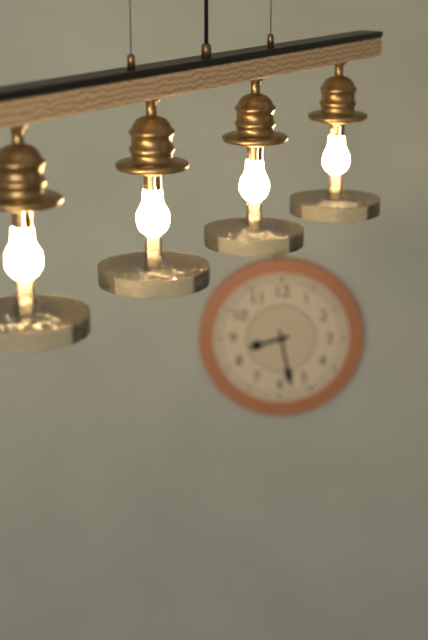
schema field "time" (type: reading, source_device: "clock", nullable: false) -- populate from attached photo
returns 8:28
